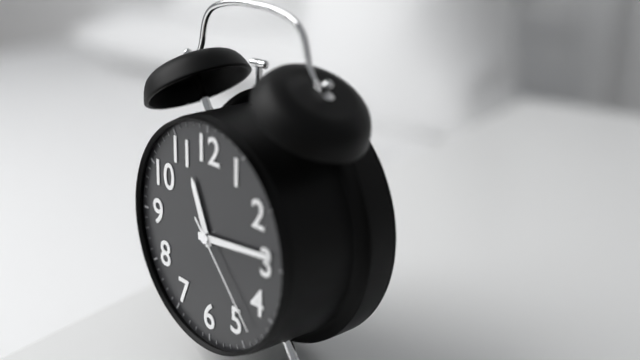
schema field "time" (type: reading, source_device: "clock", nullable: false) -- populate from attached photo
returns 11:14:23
